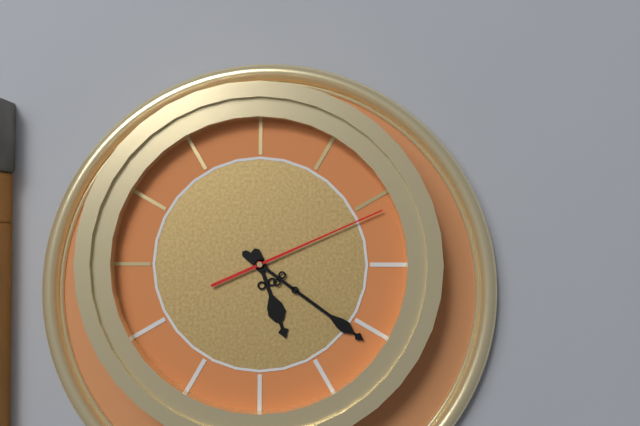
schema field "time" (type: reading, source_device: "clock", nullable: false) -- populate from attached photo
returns 5:21:11
